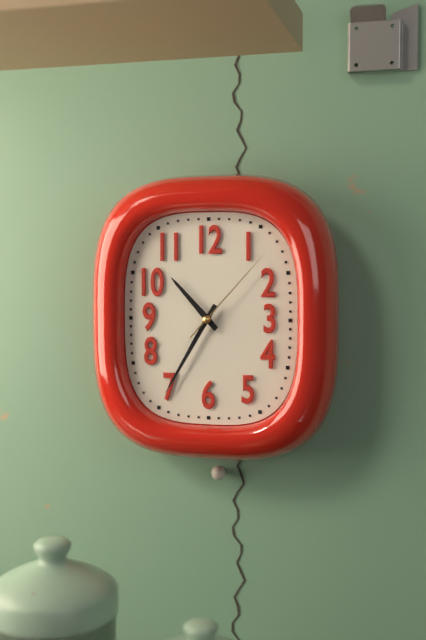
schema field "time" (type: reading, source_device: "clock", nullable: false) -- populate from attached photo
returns 10:35:07
